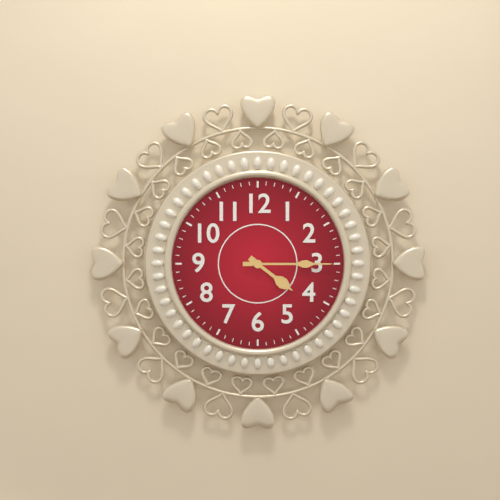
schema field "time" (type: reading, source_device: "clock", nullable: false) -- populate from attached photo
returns 4:15
